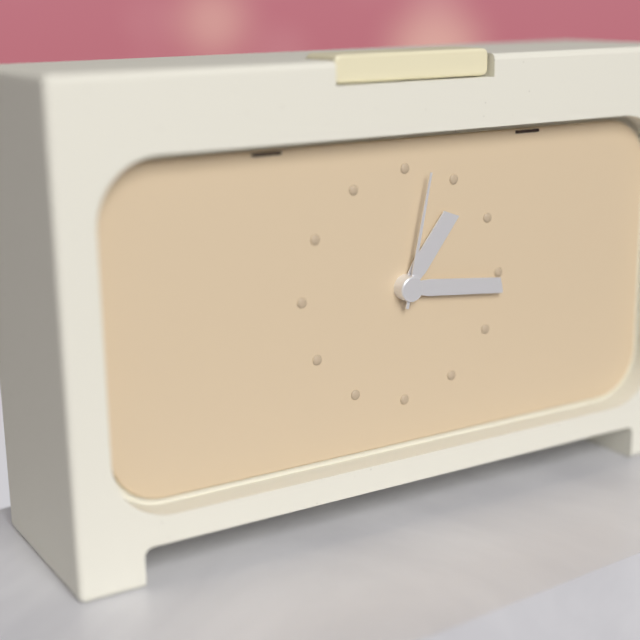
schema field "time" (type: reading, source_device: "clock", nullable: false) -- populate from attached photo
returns 1:16:02
